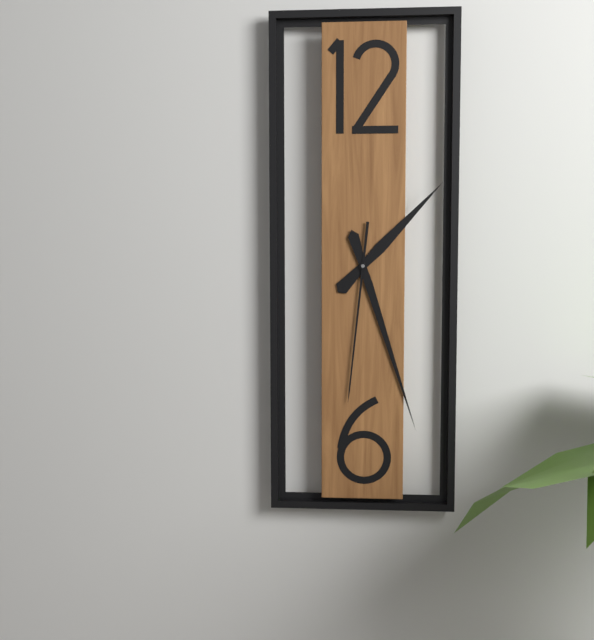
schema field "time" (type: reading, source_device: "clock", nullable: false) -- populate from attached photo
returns 1:27:31
